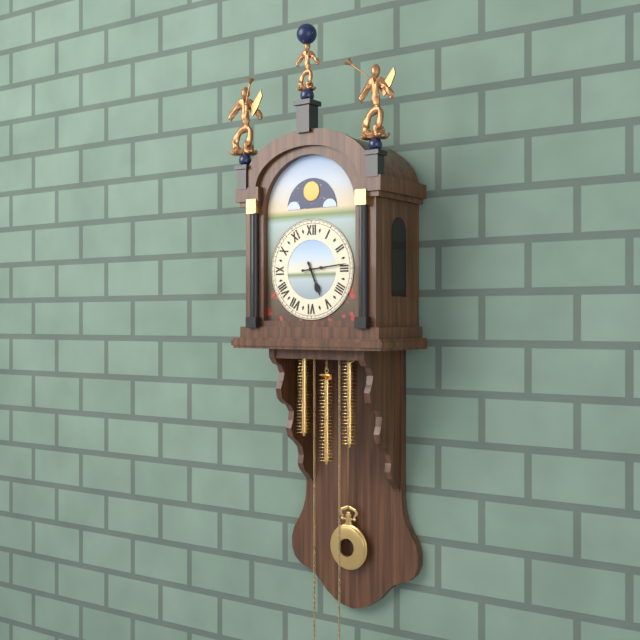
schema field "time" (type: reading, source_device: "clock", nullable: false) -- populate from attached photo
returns 5:14
